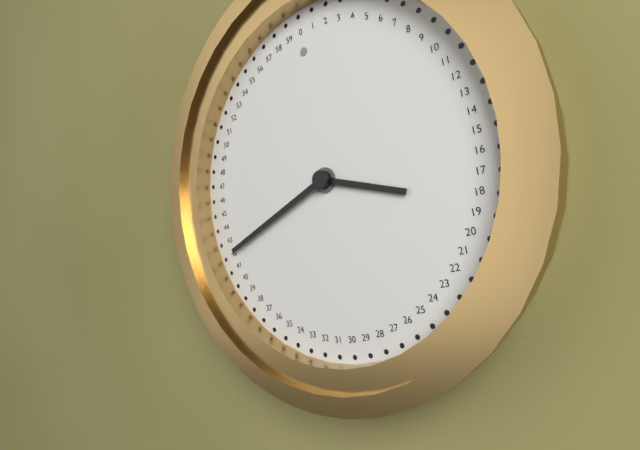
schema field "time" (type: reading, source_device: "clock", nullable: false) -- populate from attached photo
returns 3:42
